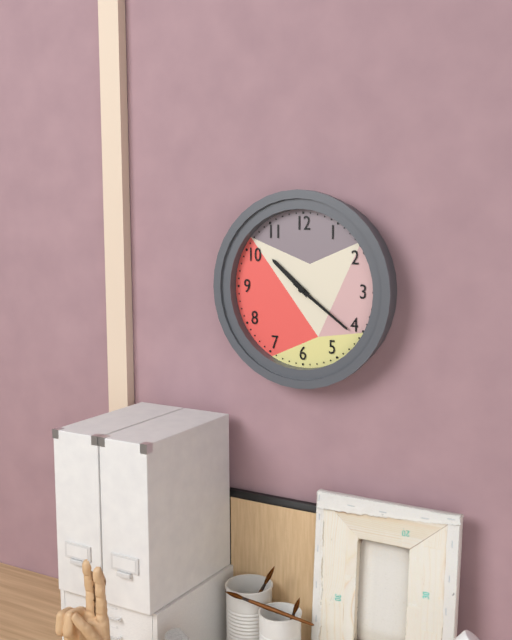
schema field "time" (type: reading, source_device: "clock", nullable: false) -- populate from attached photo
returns 10:21
